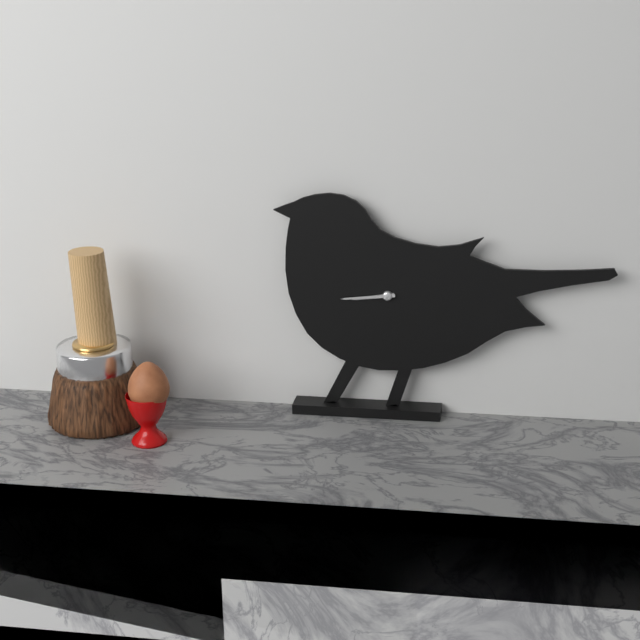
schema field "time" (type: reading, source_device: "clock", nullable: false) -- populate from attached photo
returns 8:44
